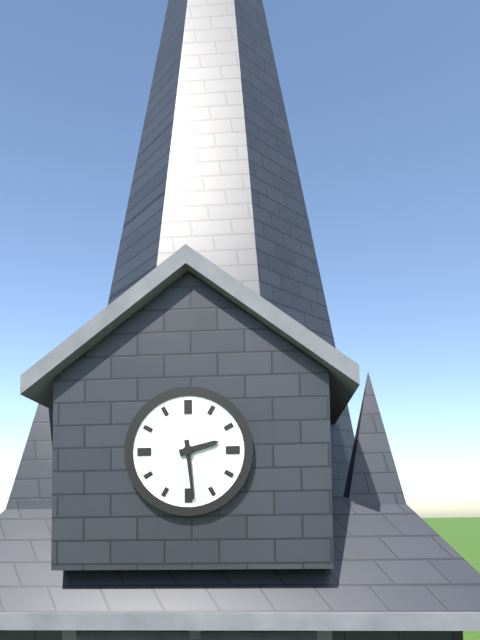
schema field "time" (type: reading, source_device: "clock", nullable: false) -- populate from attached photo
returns 2:29
